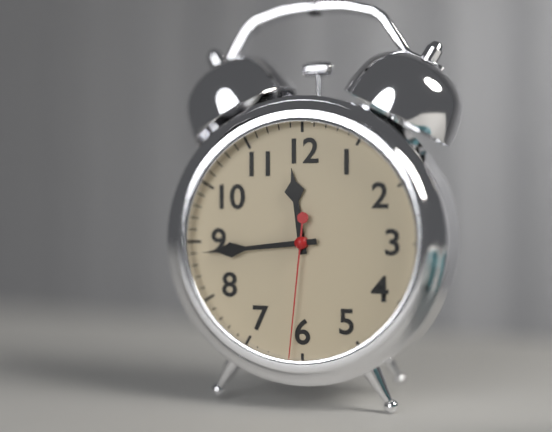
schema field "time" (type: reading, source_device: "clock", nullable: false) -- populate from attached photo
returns 11:44:31
